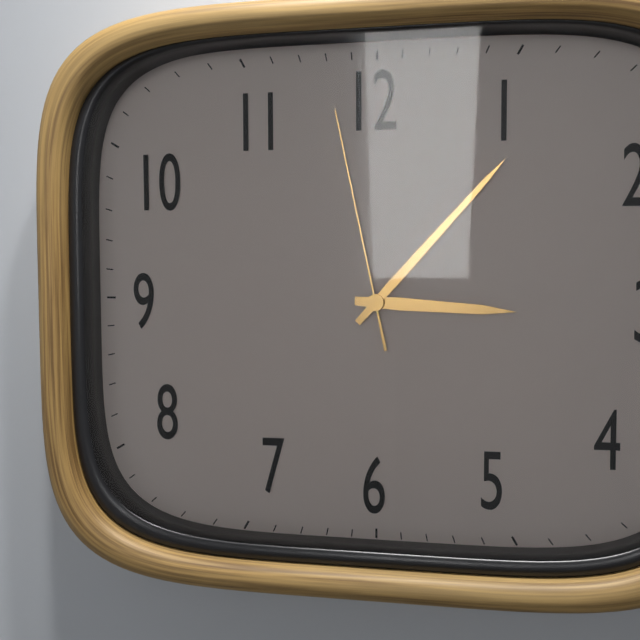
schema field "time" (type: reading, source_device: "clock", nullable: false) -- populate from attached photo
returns 3:07:58
